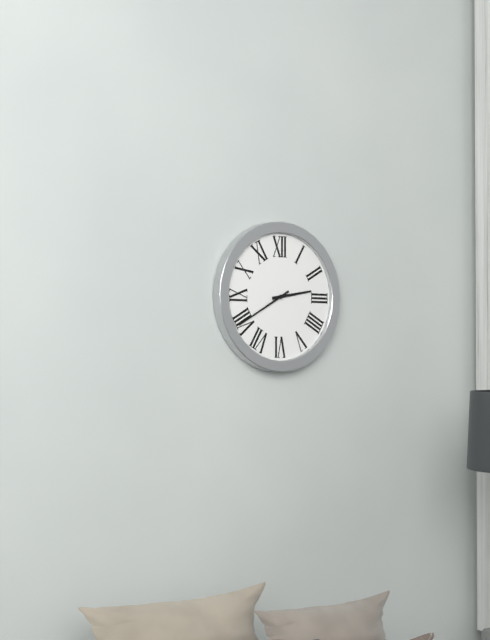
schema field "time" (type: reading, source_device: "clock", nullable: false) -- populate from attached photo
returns 2:40
